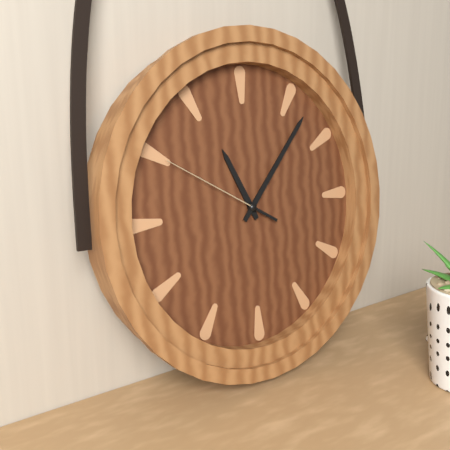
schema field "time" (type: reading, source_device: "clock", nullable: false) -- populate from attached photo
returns 11:07:50
